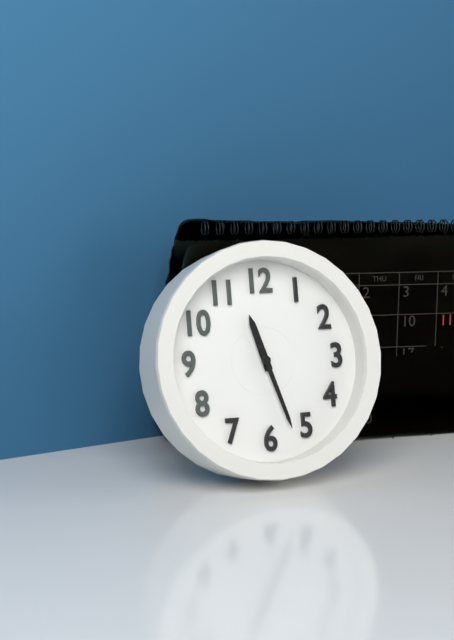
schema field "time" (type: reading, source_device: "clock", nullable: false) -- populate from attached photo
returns 11:27
